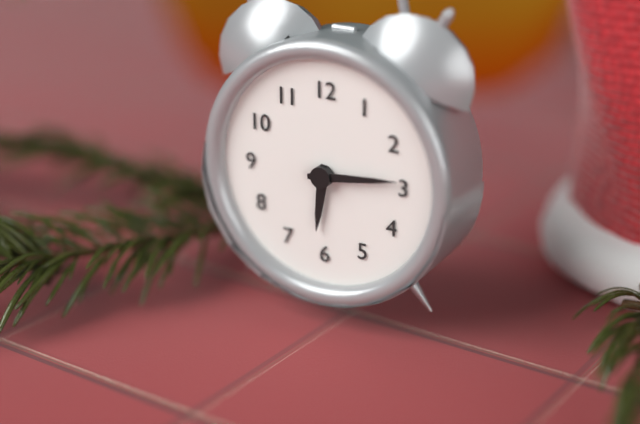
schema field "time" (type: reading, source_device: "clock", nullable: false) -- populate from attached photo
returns 6:14
